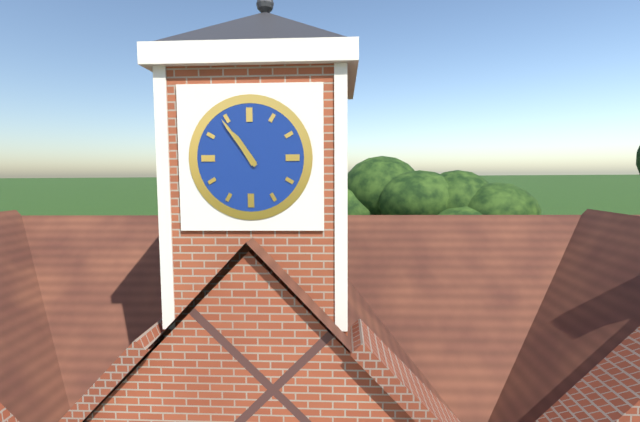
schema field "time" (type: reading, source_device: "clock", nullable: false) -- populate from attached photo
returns 10:54
